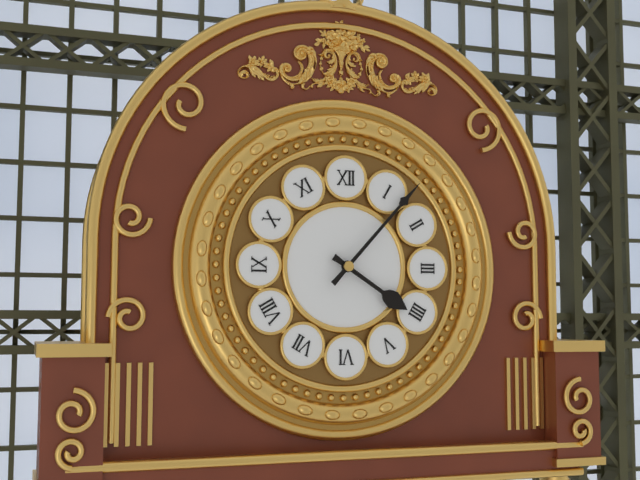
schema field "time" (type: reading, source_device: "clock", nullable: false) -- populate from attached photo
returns 4:07
